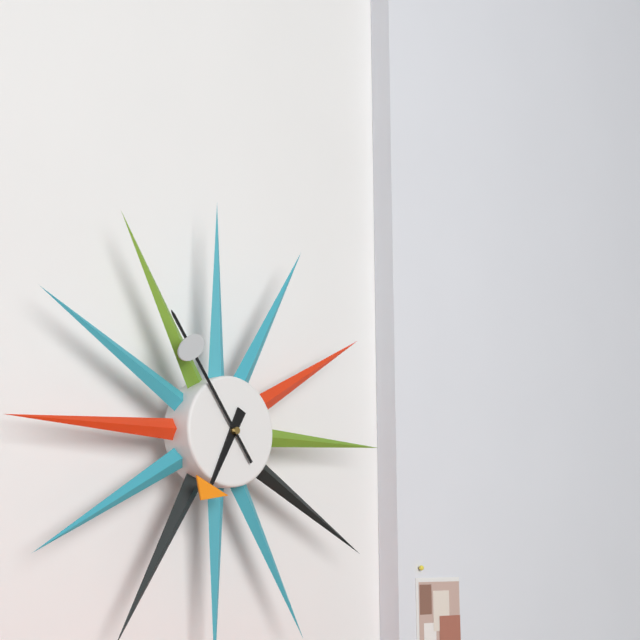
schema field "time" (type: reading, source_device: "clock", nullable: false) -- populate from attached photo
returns 6:54
